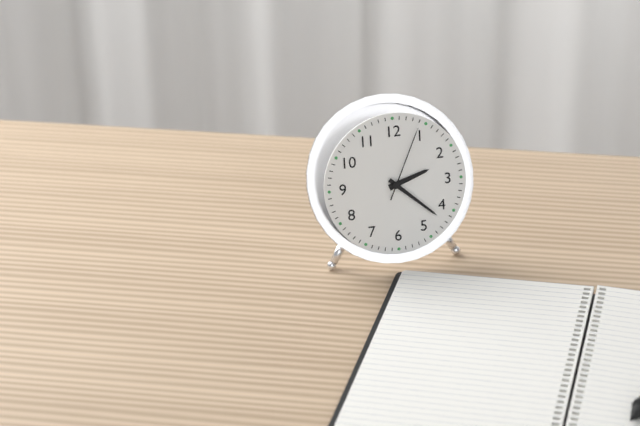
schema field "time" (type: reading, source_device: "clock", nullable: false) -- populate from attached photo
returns 2:22:04
